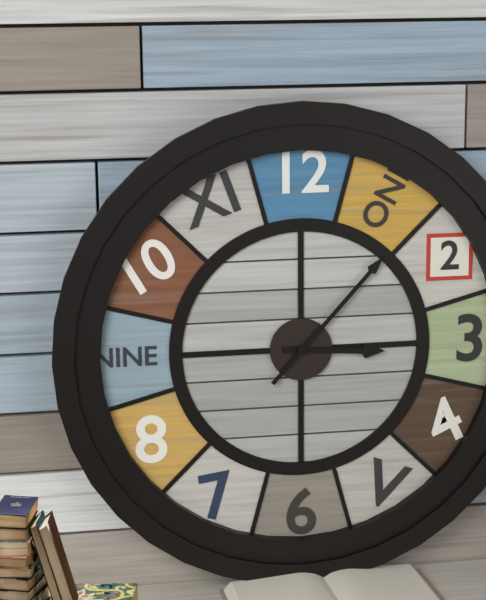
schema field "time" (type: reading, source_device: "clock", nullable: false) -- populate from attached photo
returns 3:07
